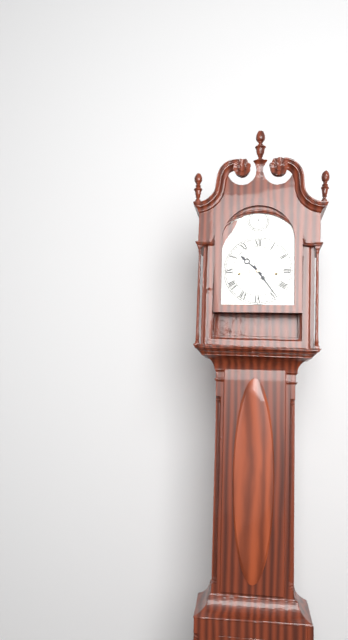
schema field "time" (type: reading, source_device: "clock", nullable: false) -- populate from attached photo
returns 10:24
